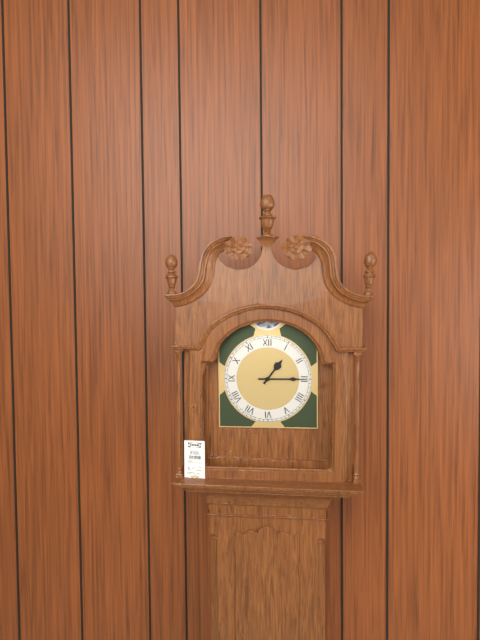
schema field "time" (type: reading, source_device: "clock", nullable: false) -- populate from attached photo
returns 1:15
